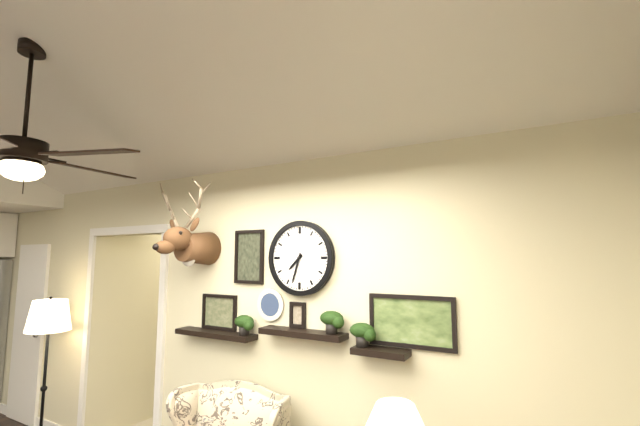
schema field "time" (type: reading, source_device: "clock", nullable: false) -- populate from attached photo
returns 7:33
